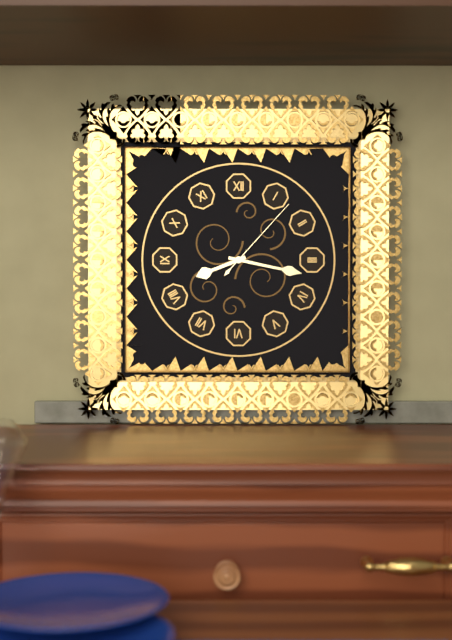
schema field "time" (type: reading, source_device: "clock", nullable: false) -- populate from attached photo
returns 8:17:07
